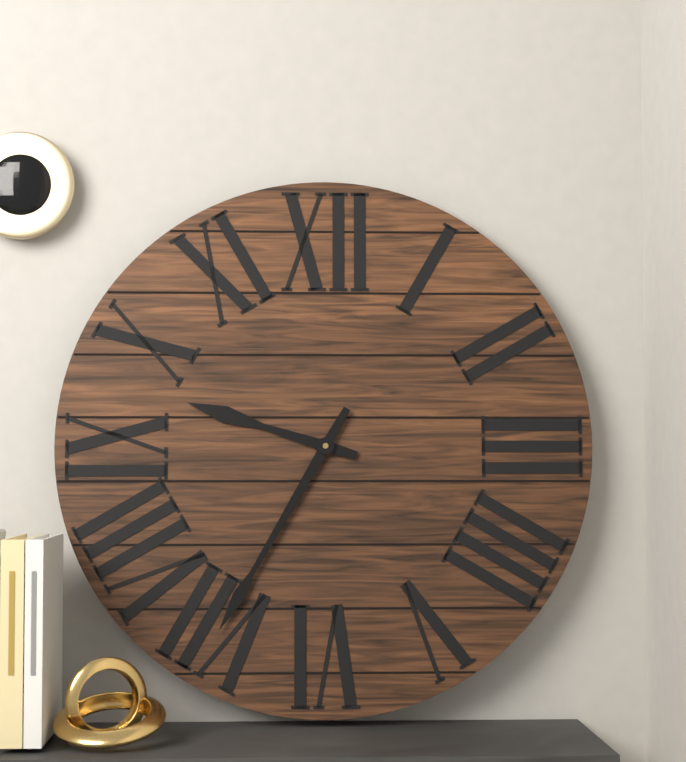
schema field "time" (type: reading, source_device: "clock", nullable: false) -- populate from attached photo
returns 9:35
